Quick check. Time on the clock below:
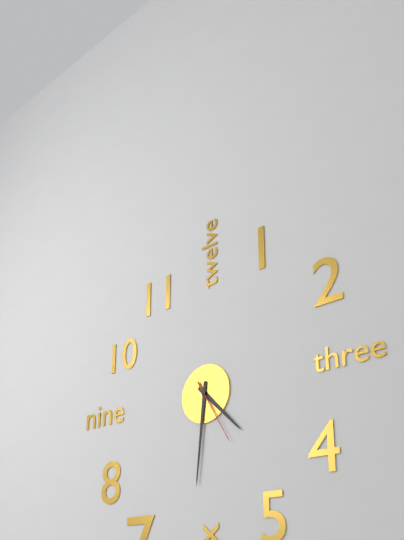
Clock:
4:31:25
